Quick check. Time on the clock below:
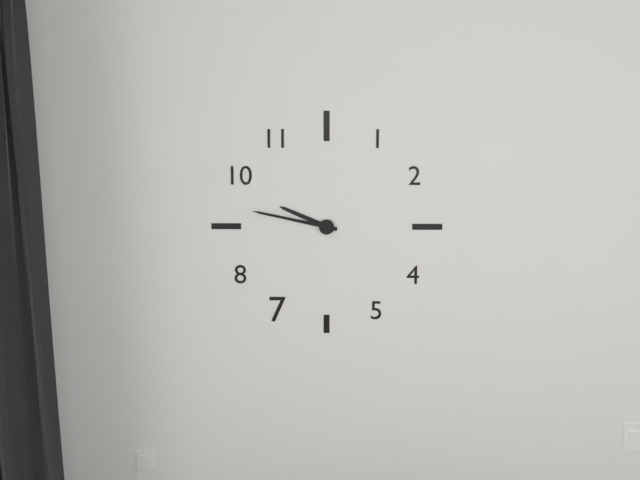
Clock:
9:47
